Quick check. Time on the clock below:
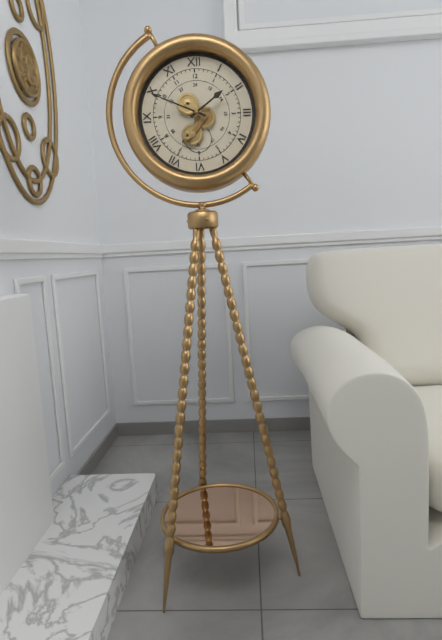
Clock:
1:49
